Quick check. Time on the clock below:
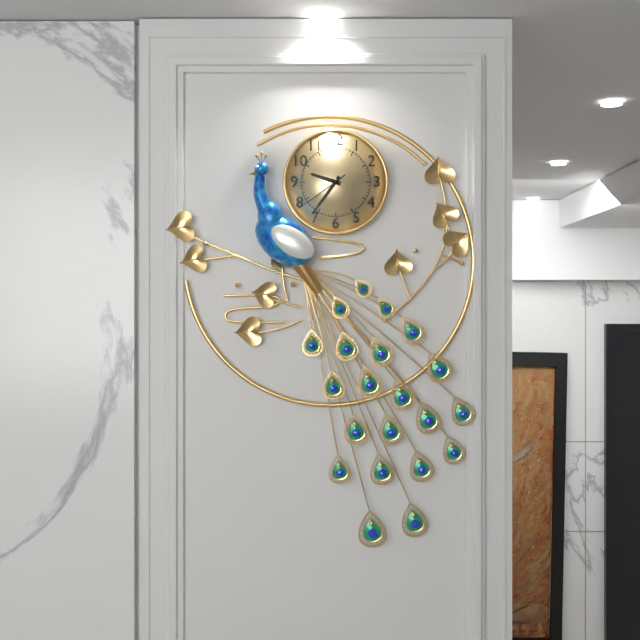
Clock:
9:36
